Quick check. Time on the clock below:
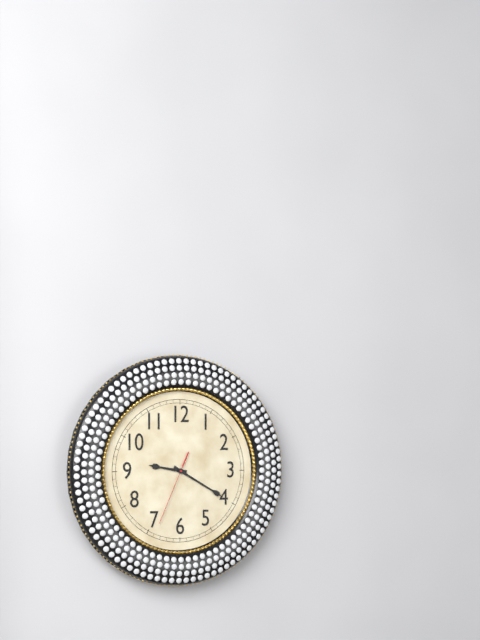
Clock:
9:20:34
